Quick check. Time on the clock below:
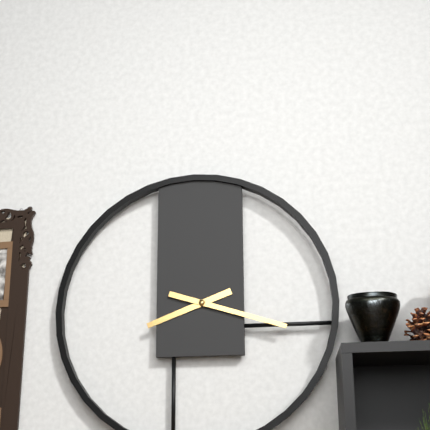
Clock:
8:18
